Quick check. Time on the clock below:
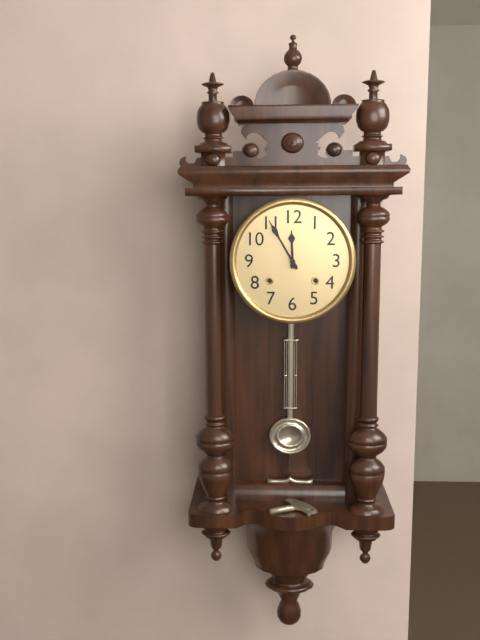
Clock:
11:55
